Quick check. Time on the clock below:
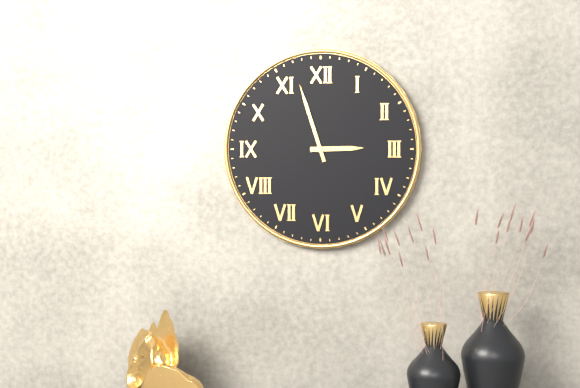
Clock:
2:57
